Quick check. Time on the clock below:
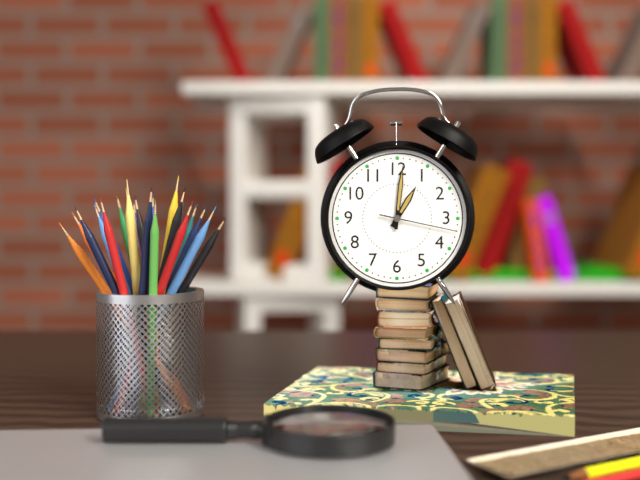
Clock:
1:01:17
